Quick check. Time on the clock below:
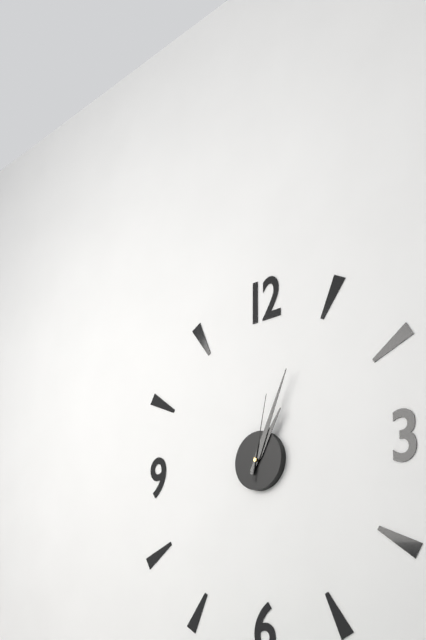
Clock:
1:04:02
